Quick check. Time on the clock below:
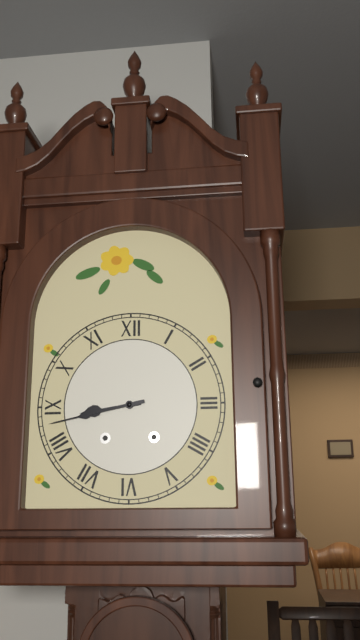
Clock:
8:43
